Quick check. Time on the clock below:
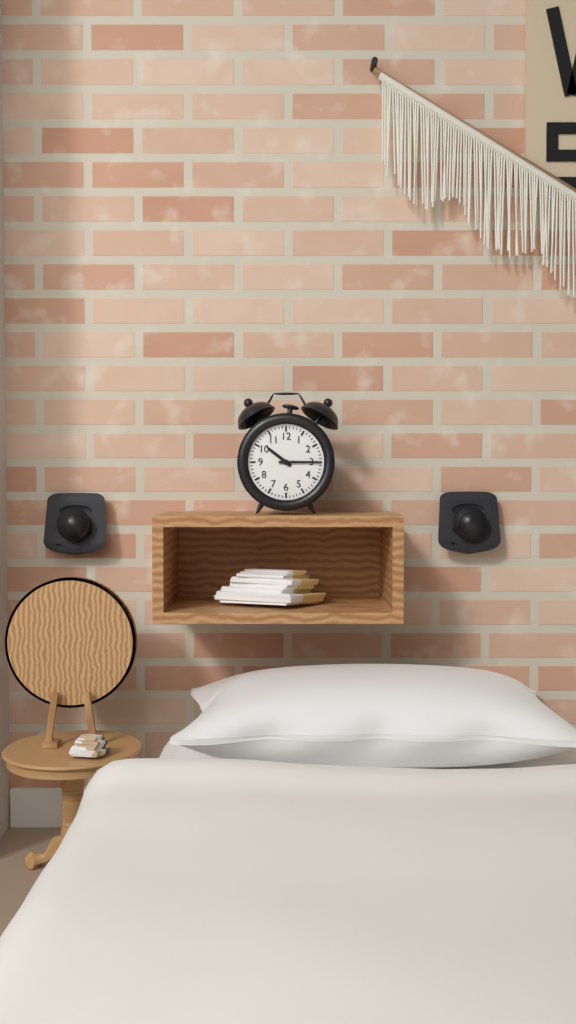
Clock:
10:15
